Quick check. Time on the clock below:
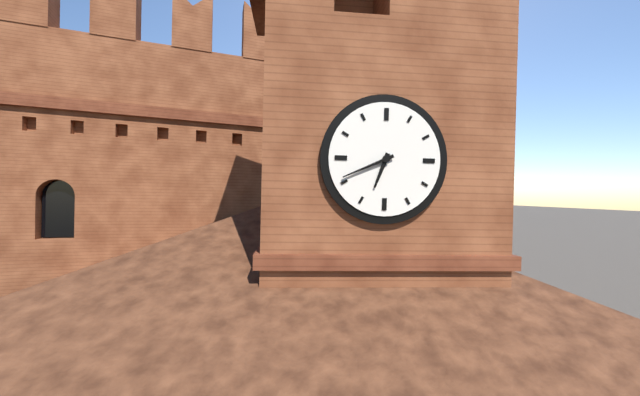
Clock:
6:41
